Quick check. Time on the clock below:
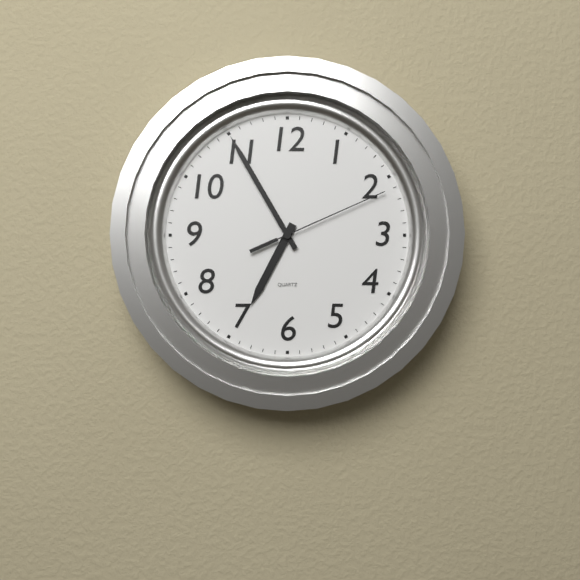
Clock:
6:55:11
